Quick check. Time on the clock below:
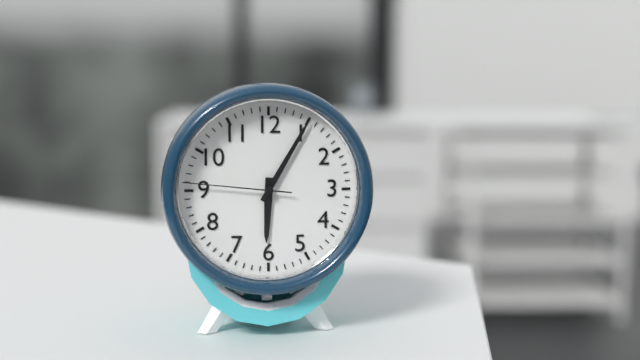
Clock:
6:05:46
